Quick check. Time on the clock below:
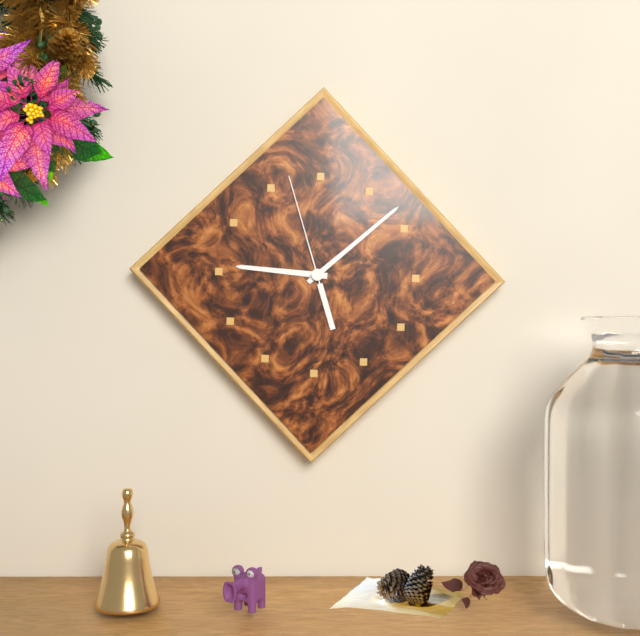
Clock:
9:08:57
